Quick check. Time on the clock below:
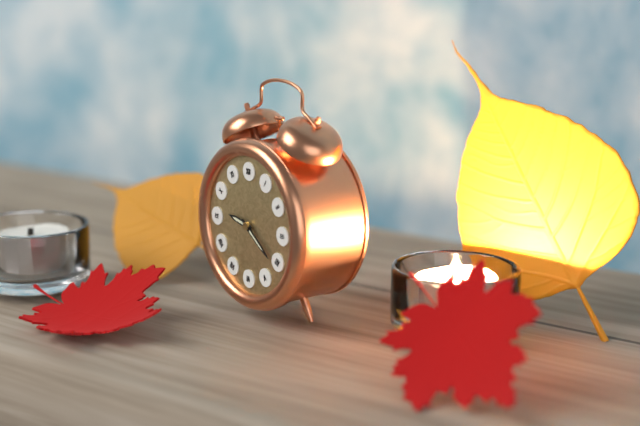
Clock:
9:21
